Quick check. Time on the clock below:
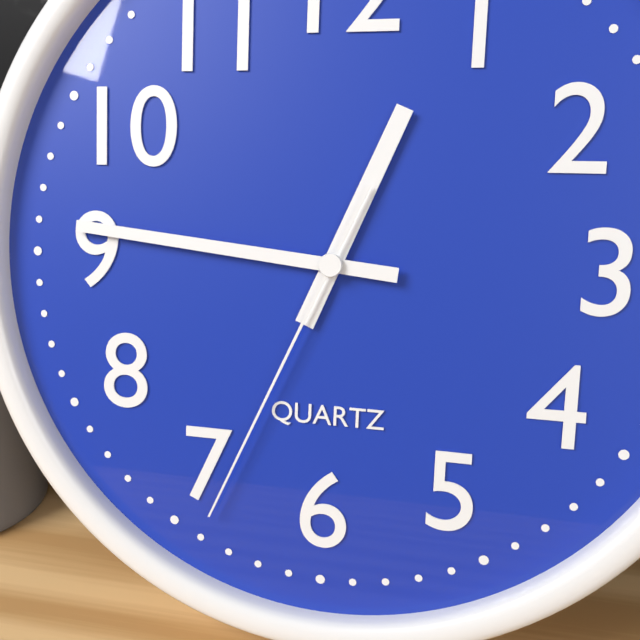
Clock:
12:46:34
